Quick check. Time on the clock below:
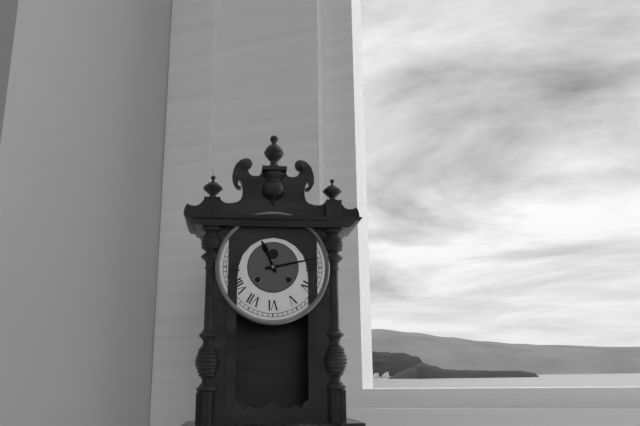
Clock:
11:13
